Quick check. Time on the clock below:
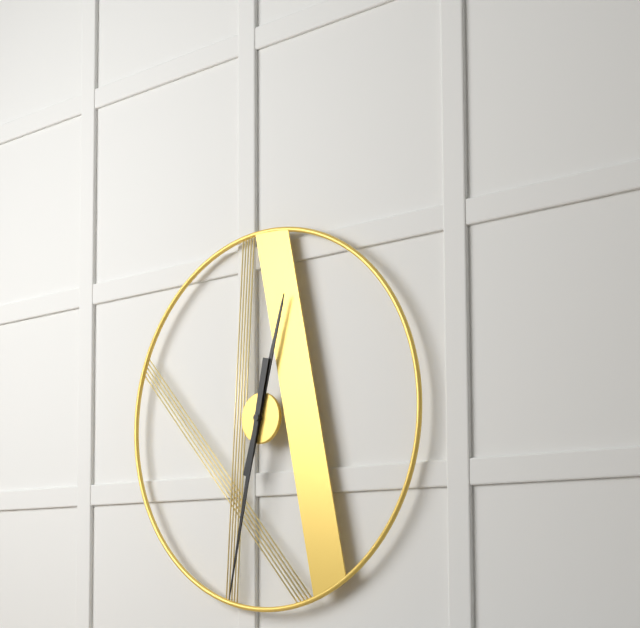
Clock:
12:32
